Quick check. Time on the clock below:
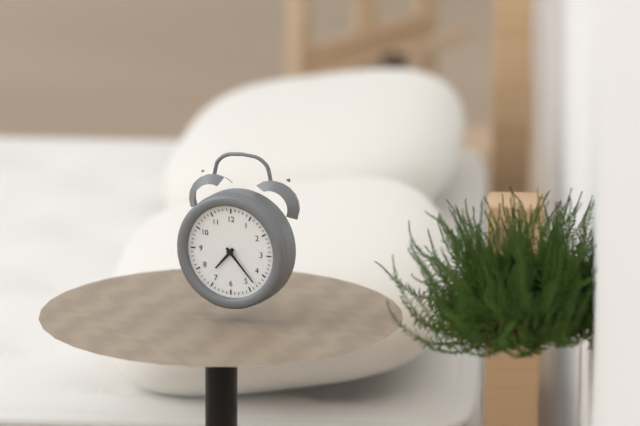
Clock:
7:23
